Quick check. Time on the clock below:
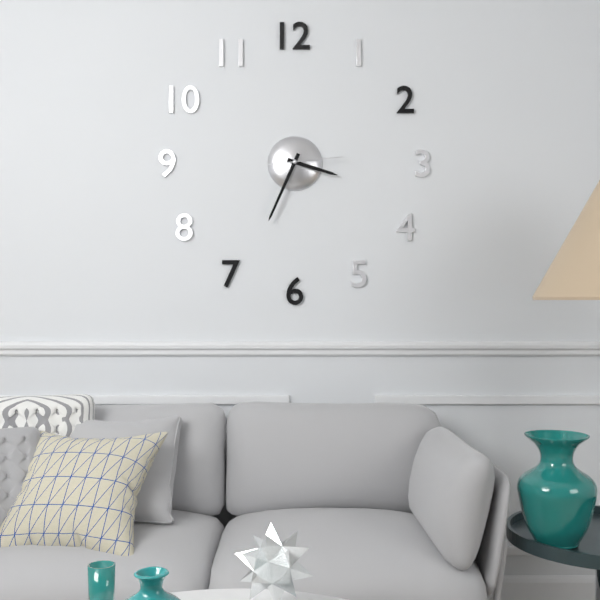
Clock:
3:34:14
